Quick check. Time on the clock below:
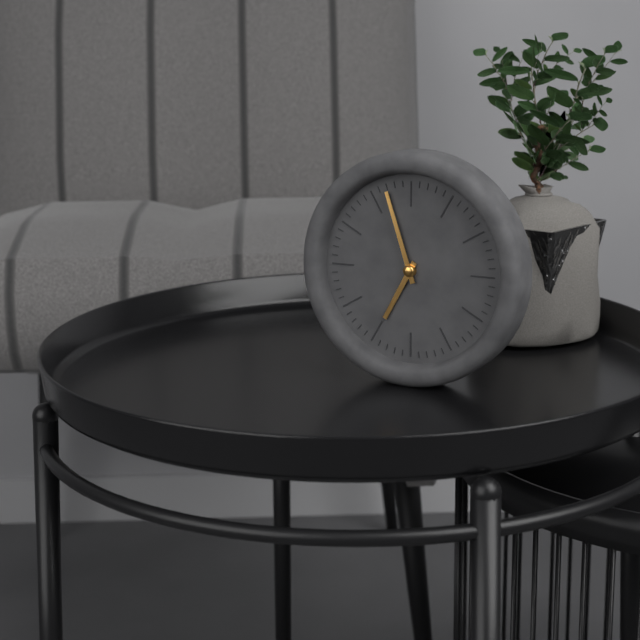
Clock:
6:57
